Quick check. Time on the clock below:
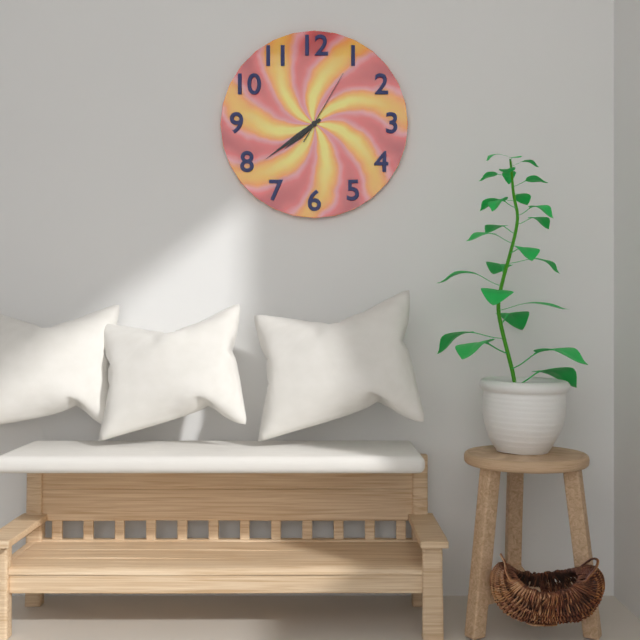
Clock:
7:39:05
